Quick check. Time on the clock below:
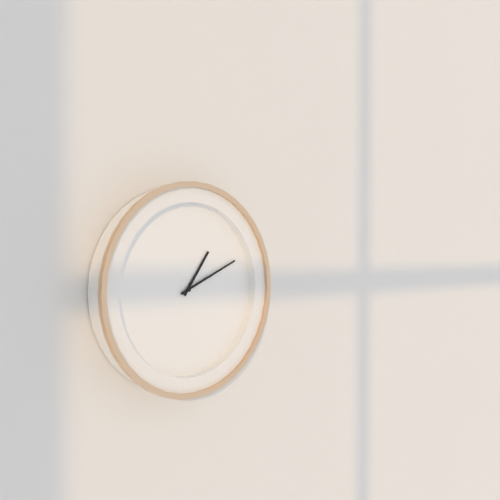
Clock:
1:11
